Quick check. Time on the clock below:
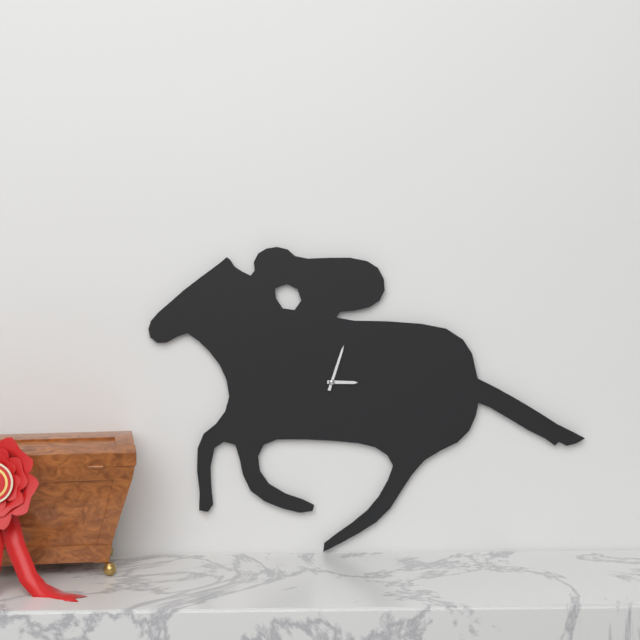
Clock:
3:03
